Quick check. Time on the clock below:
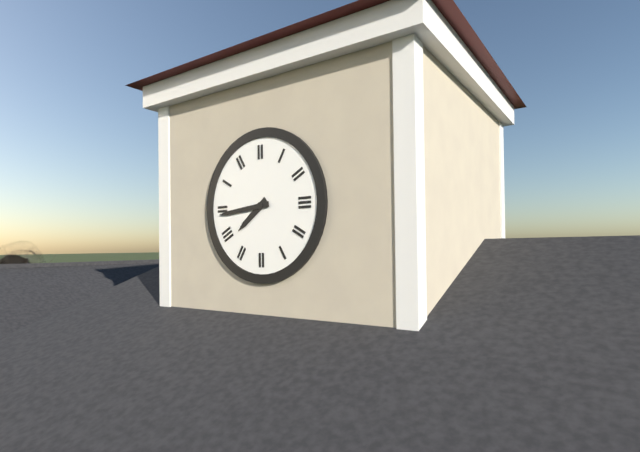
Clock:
7:44
